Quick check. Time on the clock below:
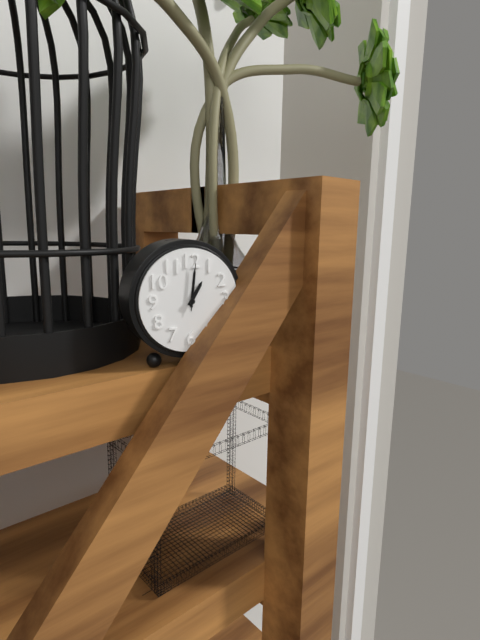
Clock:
1:01
